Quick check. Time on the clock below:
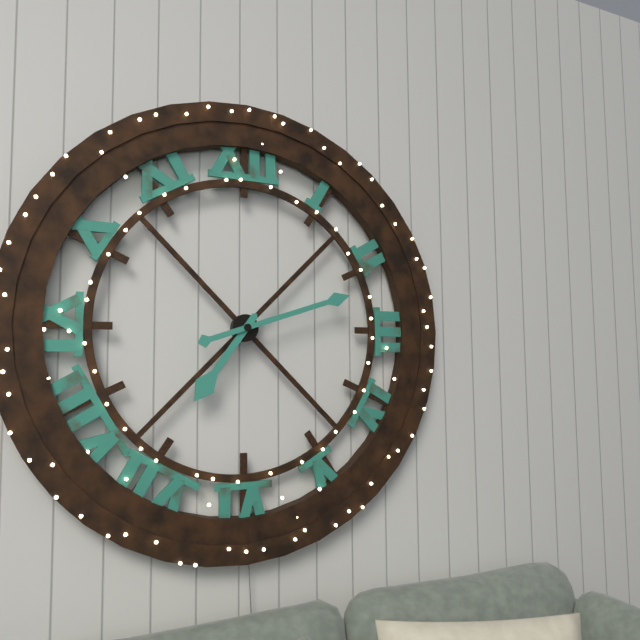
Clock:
7:12
